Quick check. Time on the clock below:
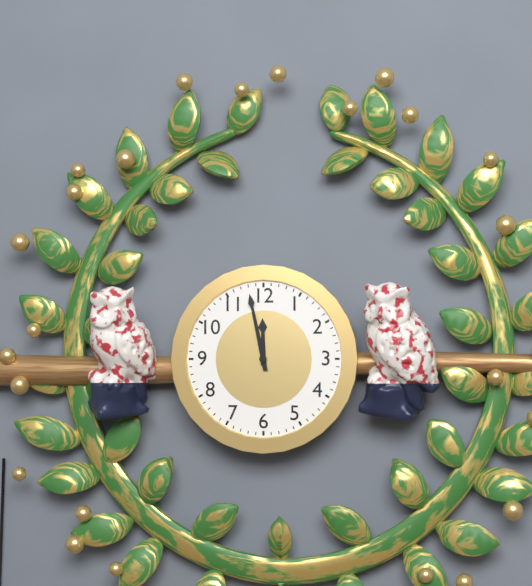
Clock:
11:58
